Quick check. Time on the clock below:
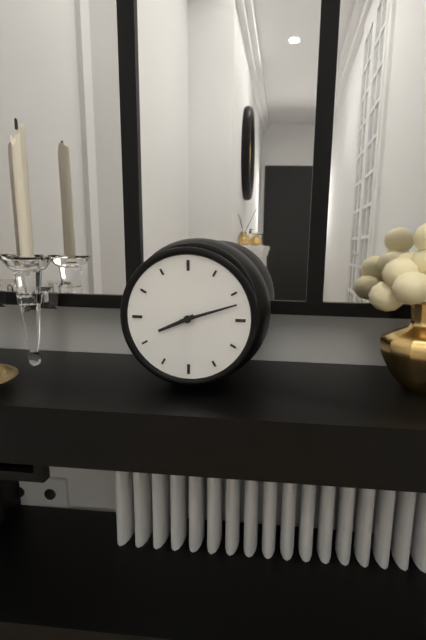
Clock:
8:12
